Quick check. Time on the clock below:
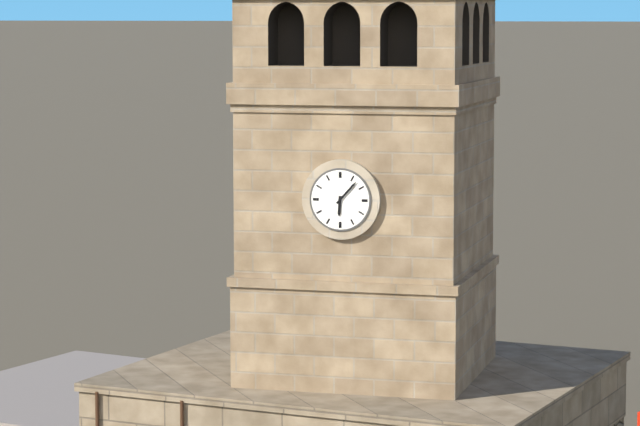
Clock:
6:07
